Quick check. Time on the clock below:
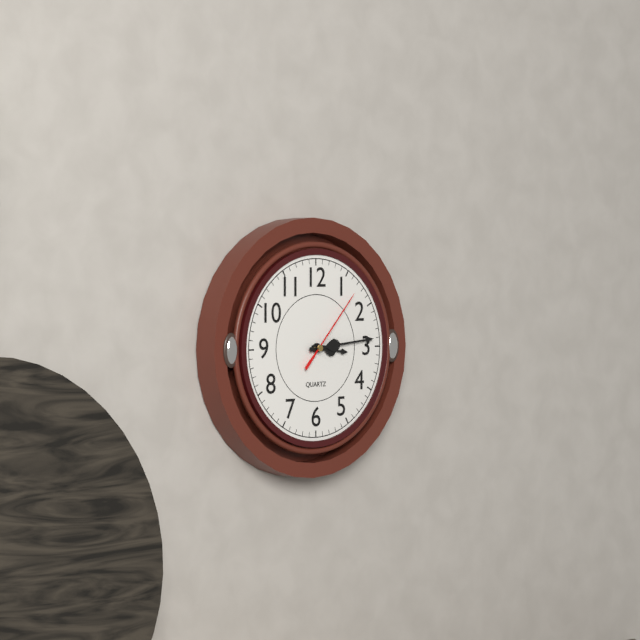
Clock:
3:14:07
